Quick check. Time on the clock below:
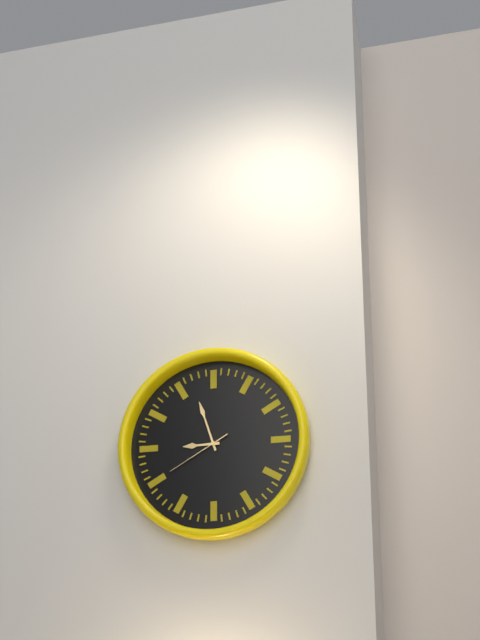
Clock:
8:57:40
